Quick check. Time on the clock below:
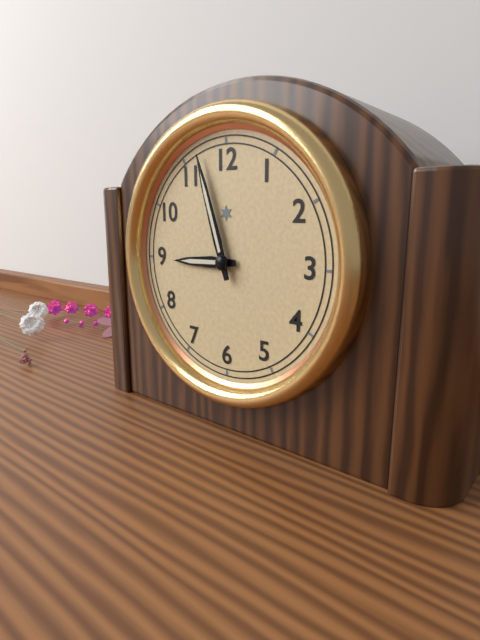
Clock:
8:57
